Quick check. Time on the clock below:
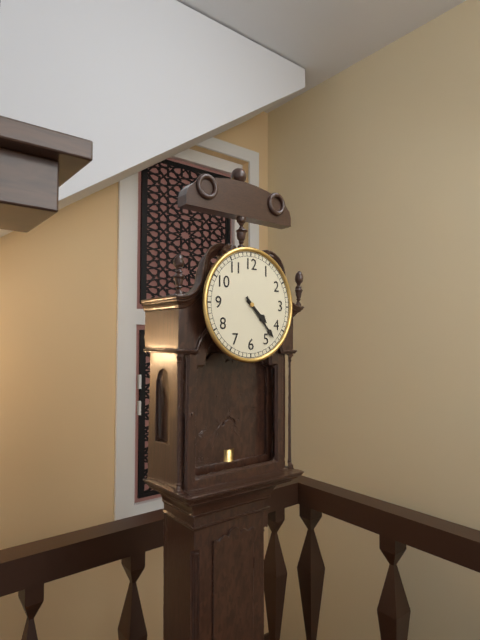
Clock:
4:23
